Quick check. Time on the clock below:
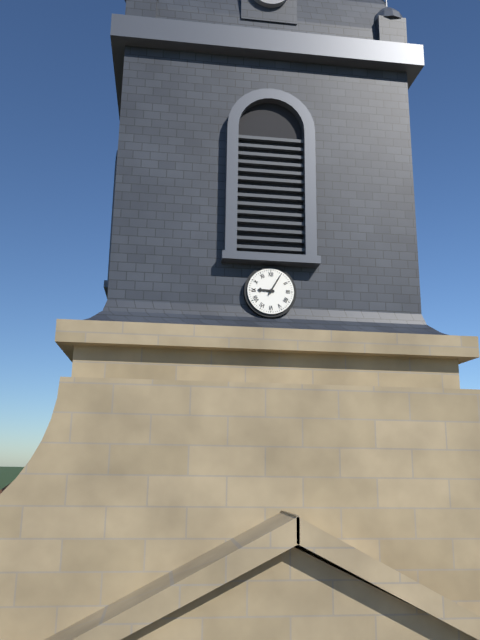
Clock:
9:05
